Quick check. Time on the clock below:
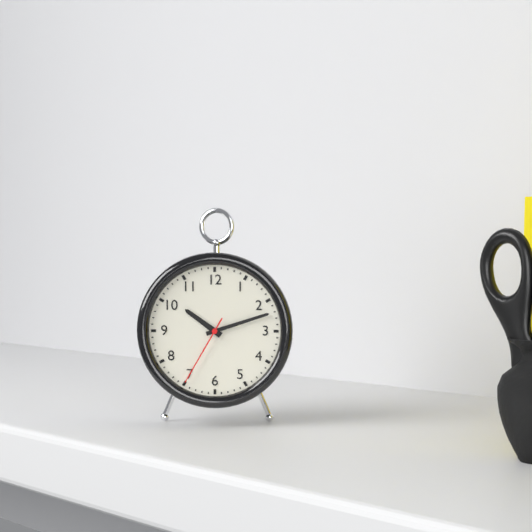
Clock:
10:12:35
